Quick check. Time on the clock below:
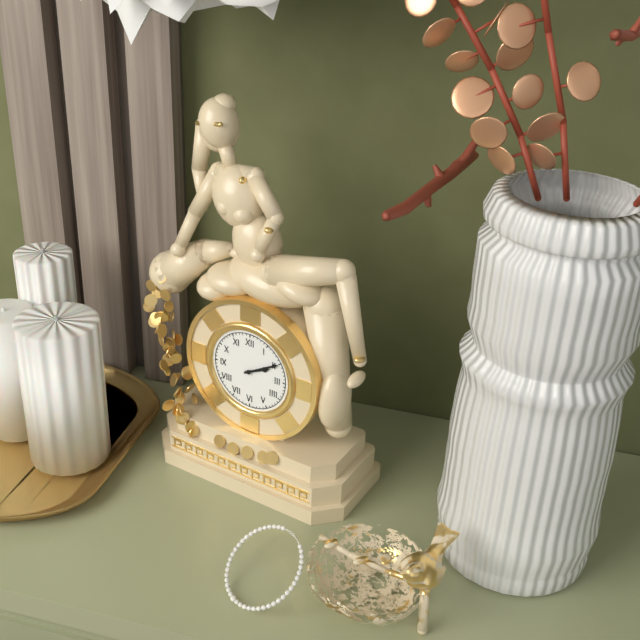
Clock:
2:10
